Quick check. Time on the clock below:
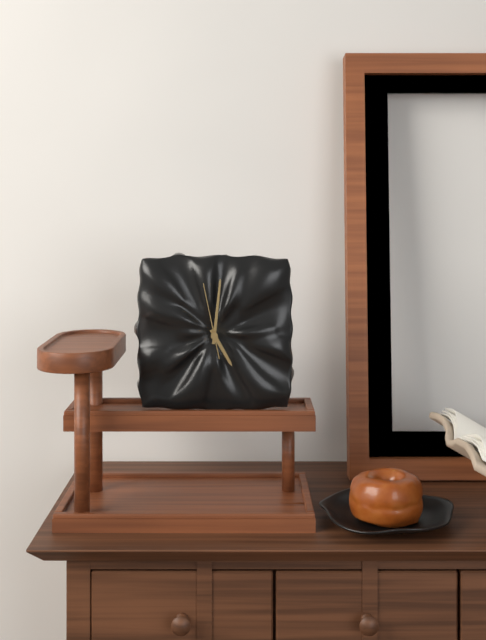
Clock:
5:01:58
